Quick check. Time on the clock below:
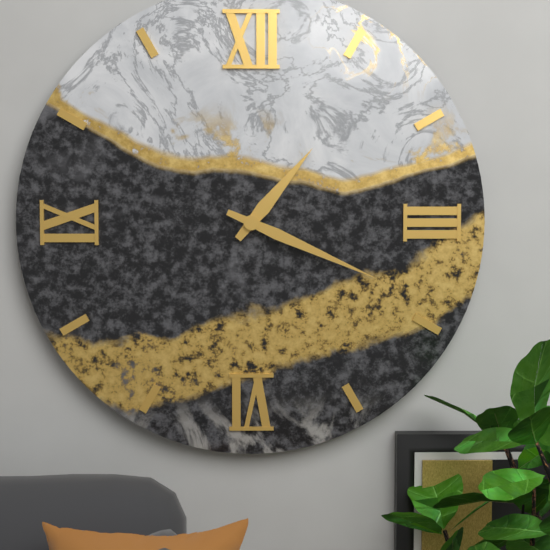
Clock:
1:19
